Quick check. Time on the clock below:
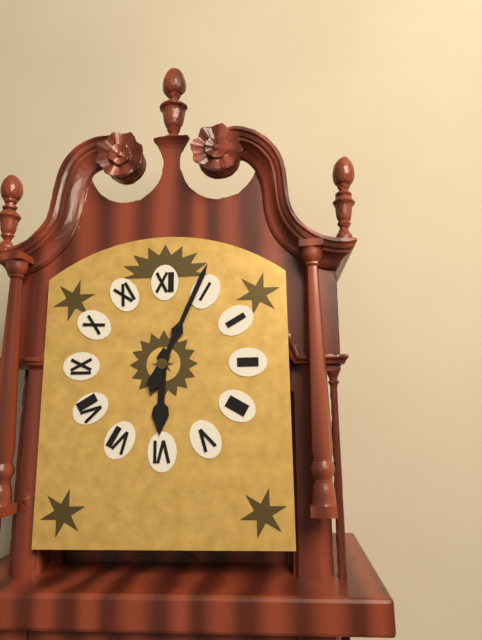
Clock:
6:04
